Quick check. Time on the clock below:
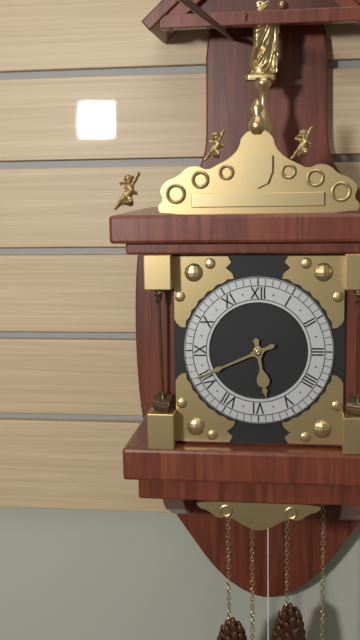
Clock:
5:41
